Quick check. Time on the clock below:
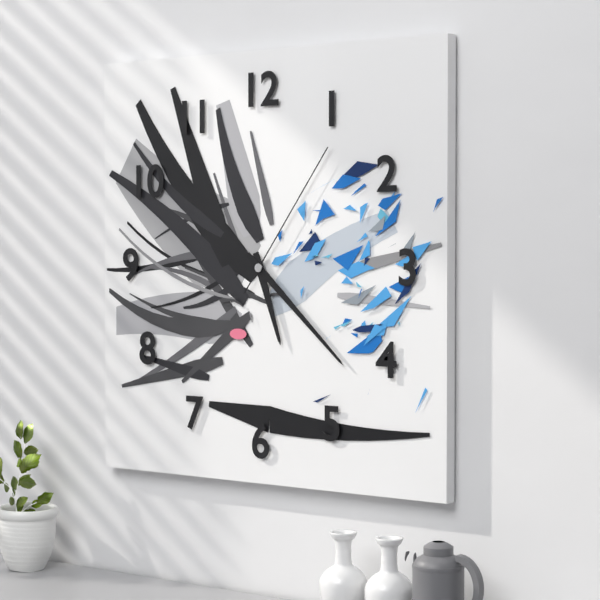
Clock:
5:22:06
